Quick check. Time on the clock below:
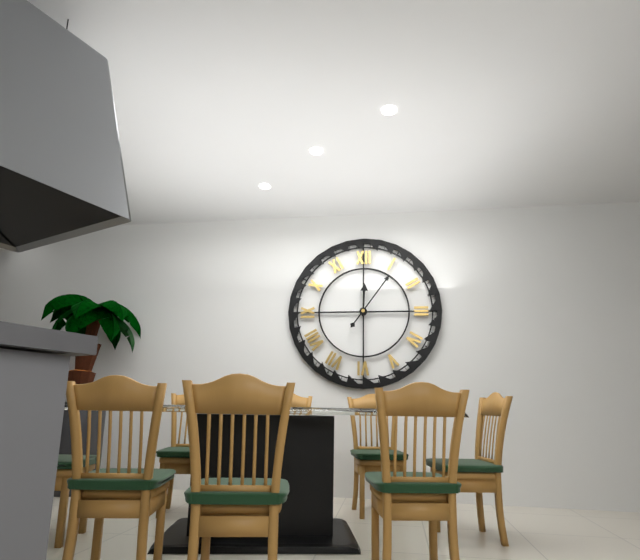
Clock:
12:06
